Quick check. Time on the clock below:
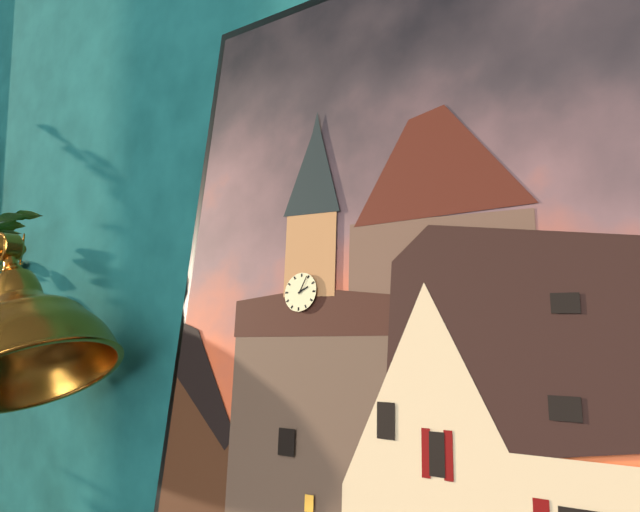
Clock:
2:04
